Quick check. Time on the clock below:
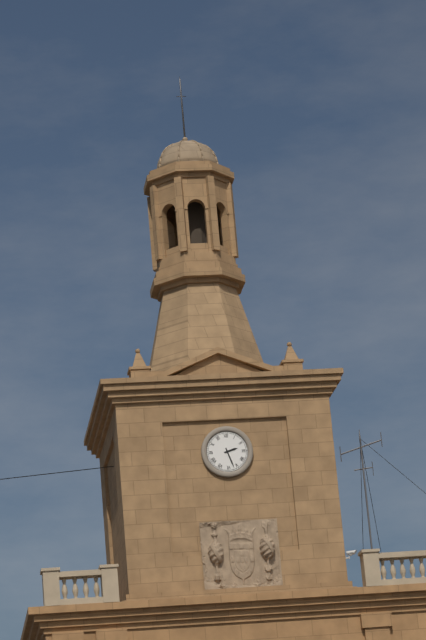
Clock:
2:27
